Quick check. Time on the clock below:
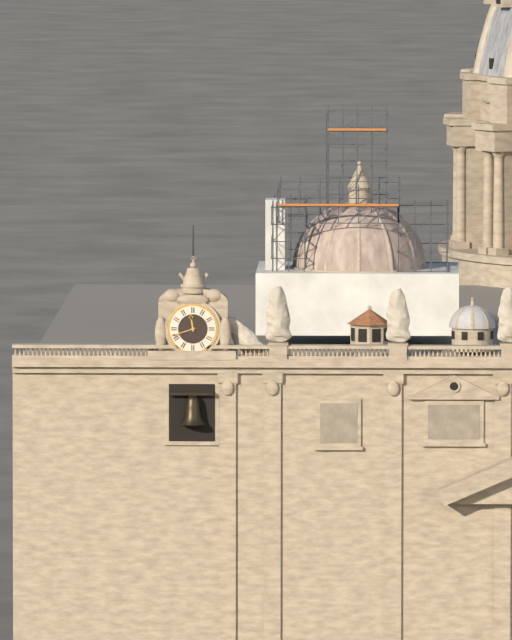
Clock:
11:42
